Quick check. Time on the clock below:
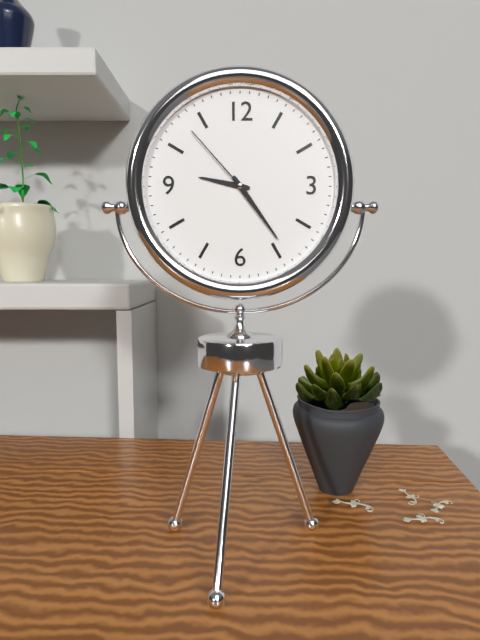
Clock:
9:24:53
